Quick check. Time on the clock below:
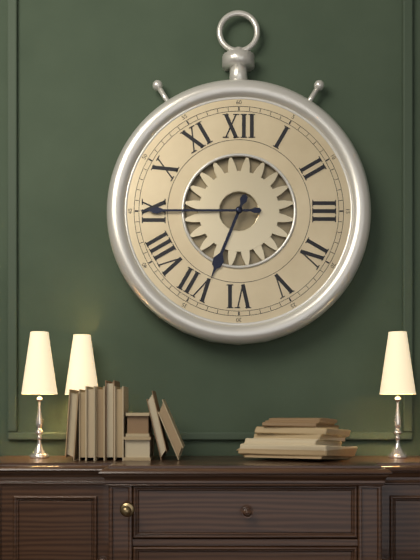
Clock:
6:45
